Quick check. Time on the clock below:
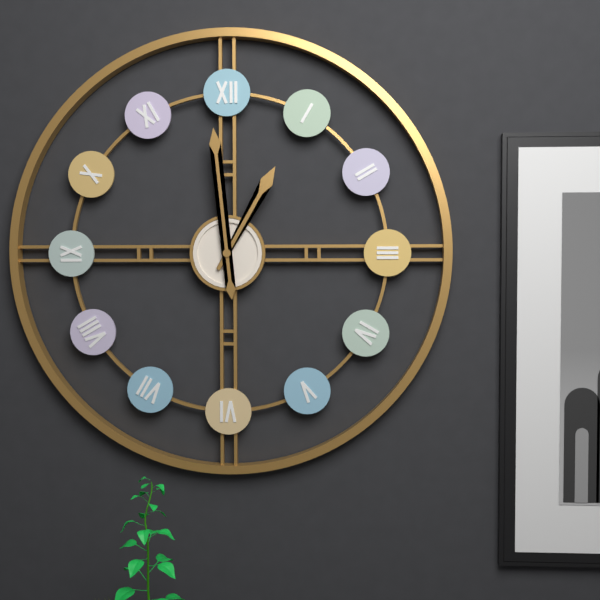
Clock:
12:59
